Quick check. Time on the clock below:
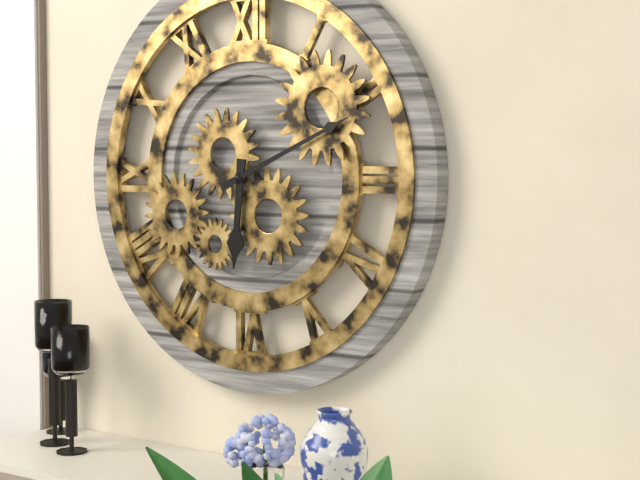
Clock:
6:11
